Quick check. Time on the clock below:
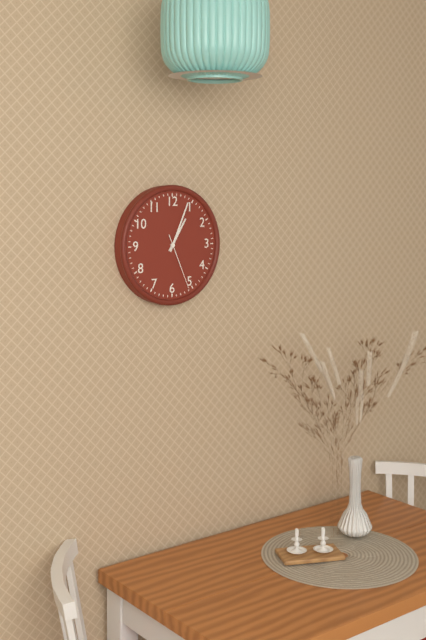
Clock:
1:04:26
